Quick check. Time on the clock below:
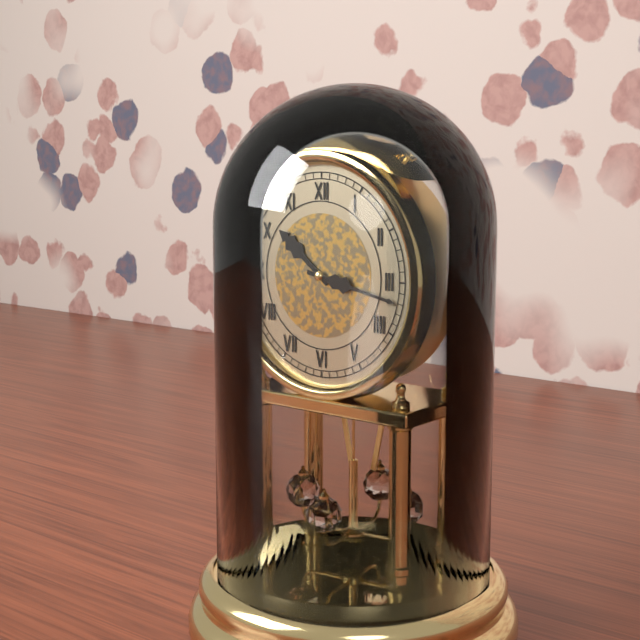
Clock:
10:17
